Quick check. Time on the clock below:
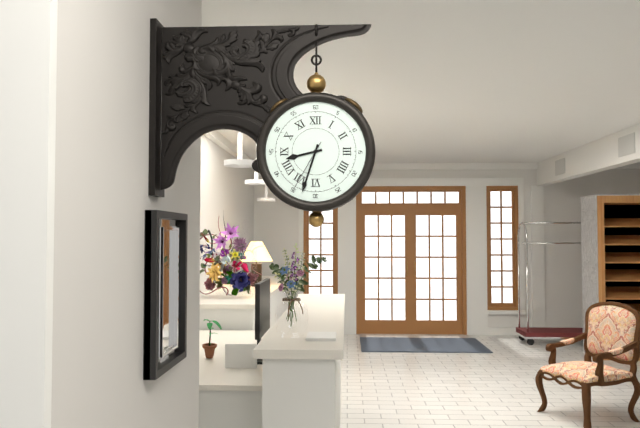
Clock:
8:33:35
